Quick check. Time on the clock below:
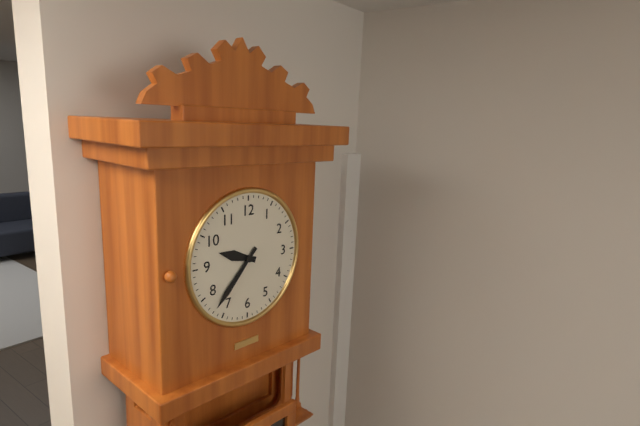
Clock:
9:37
